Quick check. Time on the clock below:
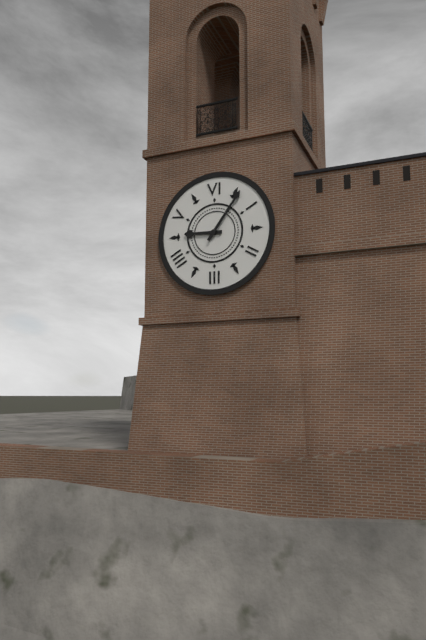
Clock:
9:06
